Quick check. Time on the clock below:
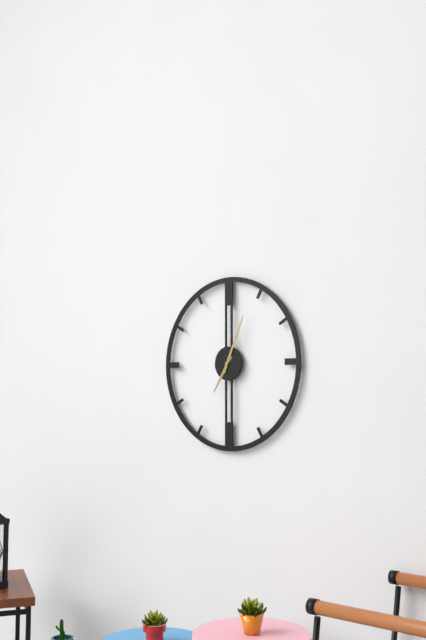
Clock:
7:04
